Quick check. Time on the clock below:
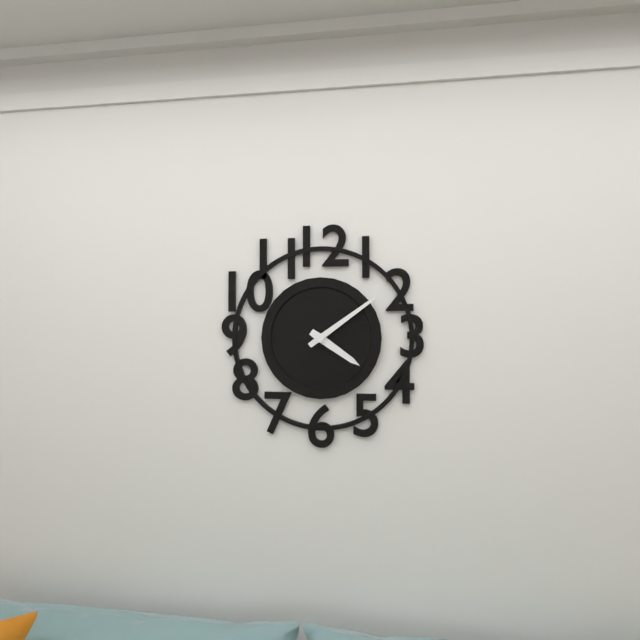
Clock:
4:09
